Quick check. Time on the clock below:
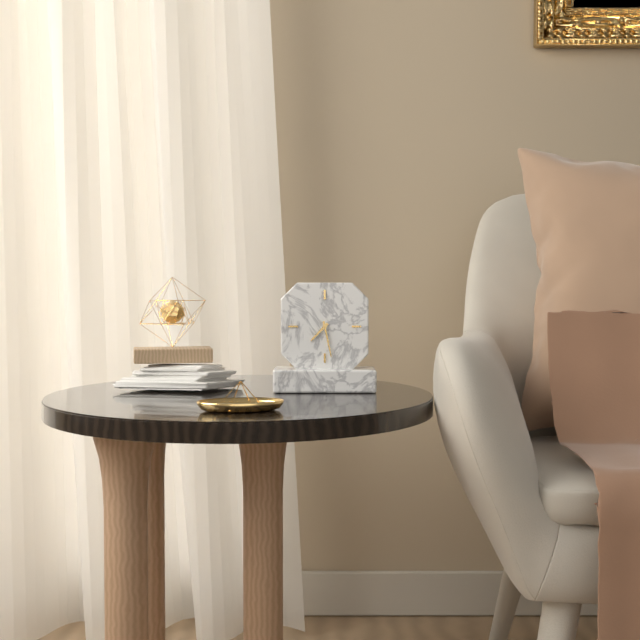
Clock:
7:28
